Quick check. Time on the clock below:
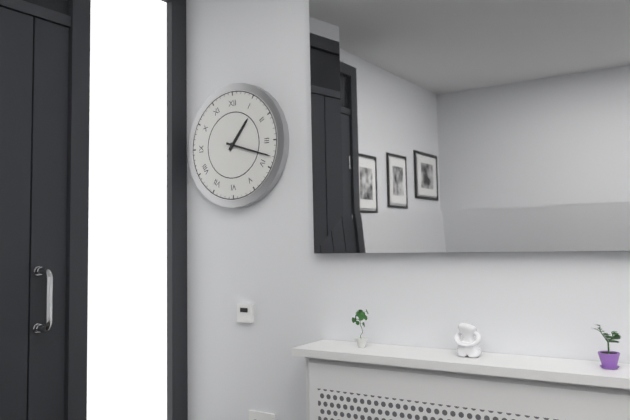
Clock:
1:18
